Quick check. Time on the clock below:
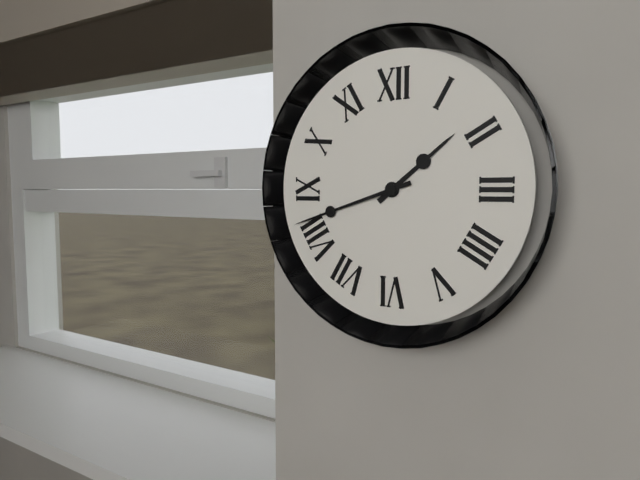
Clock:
1:42
